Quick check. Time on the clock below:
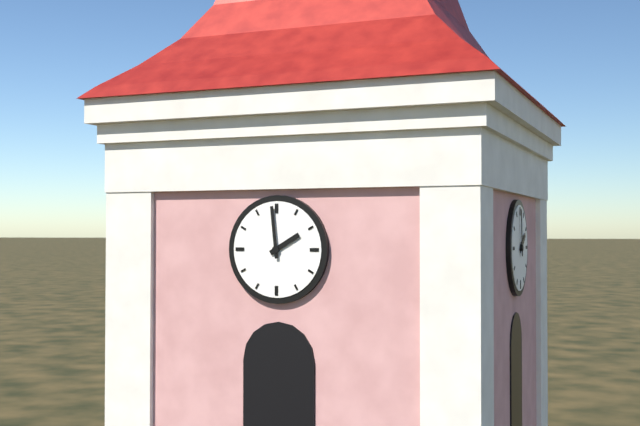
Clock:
1:59
